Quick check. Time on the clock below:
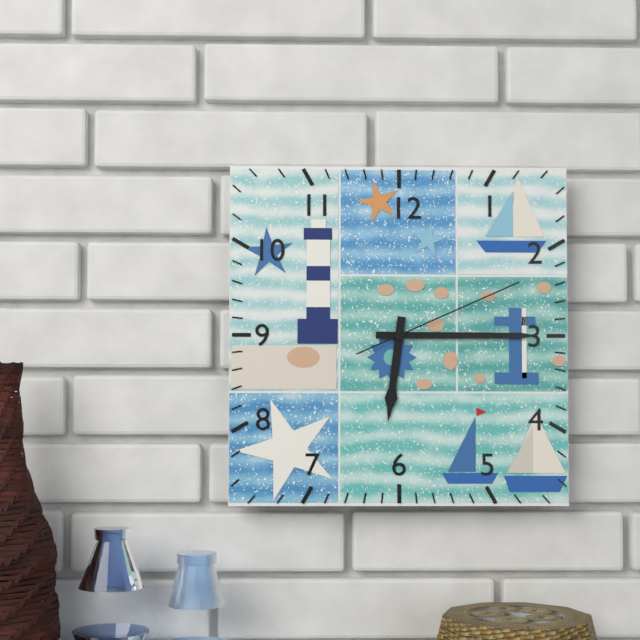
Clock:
6:15:11
